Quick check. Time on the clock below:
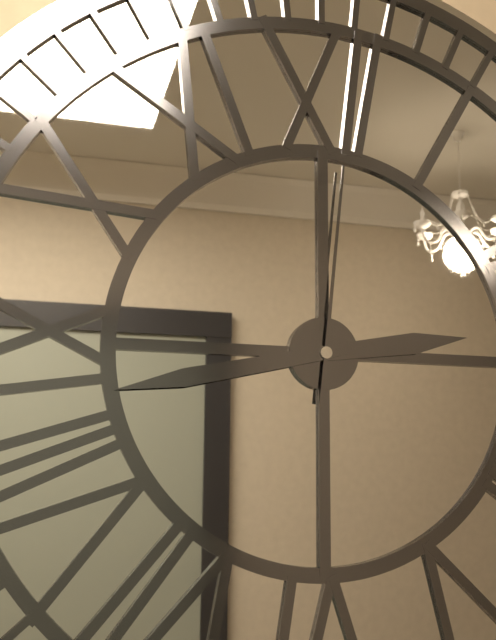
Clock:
2:43:01
